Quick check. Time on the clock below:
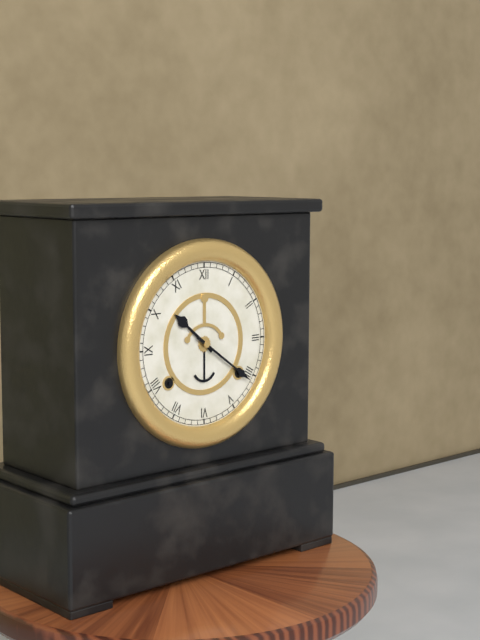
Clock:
10:21
